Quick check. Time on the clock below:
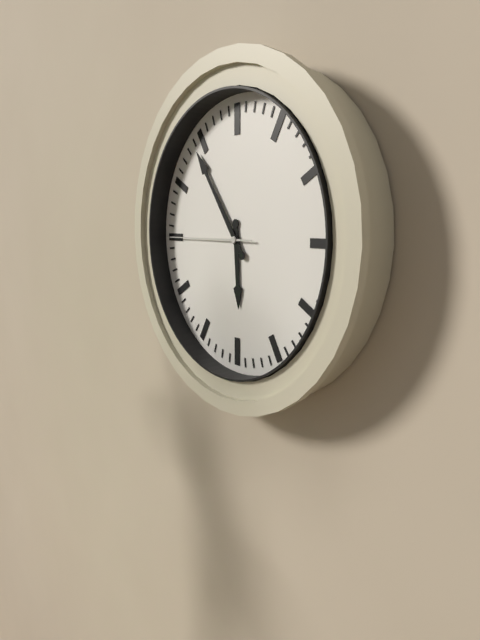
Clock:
5:54:45
